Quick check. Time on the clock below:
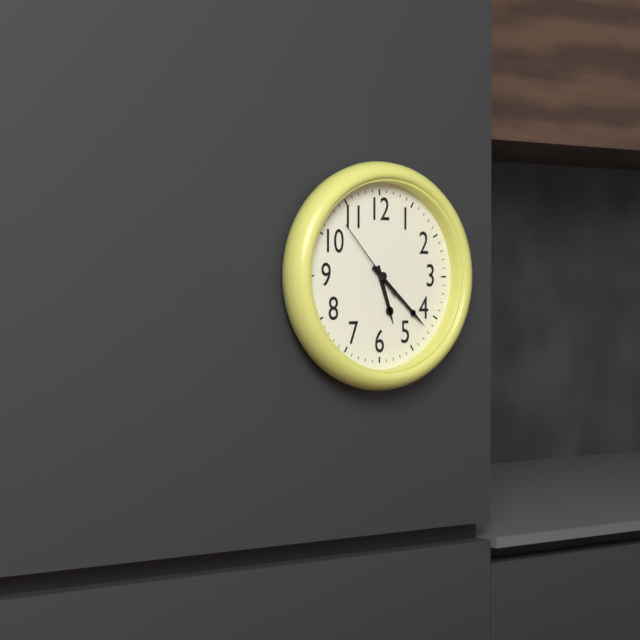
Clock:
5:22:53
